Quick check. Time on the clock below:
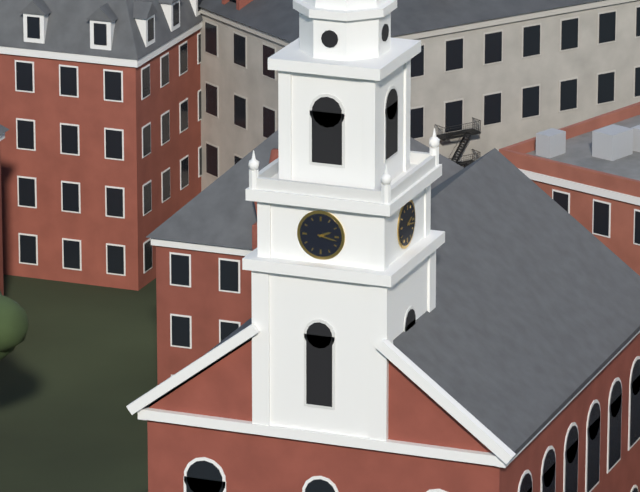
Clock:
2:17
